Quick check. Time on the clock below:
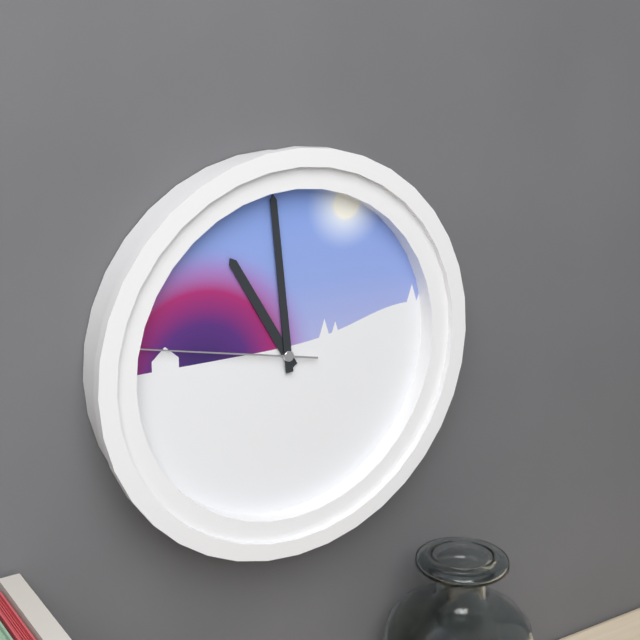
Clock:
10:59:47
